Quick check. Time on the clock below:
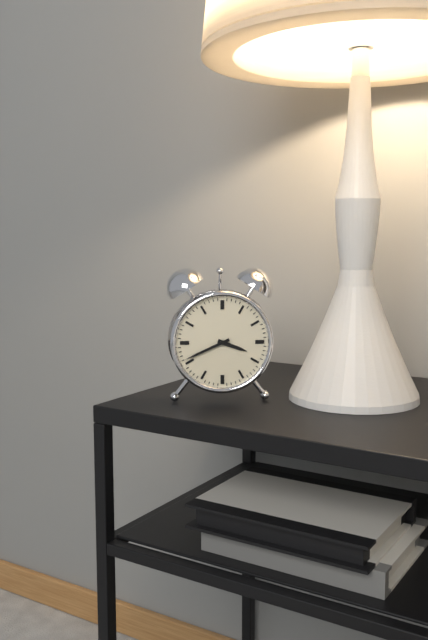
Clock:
3:41
